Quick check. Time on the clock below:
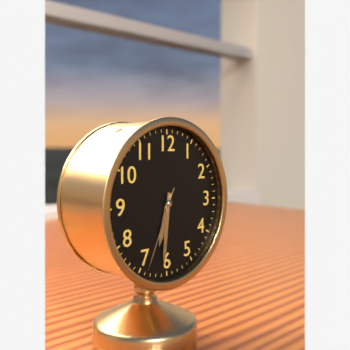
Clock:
6:31:34
